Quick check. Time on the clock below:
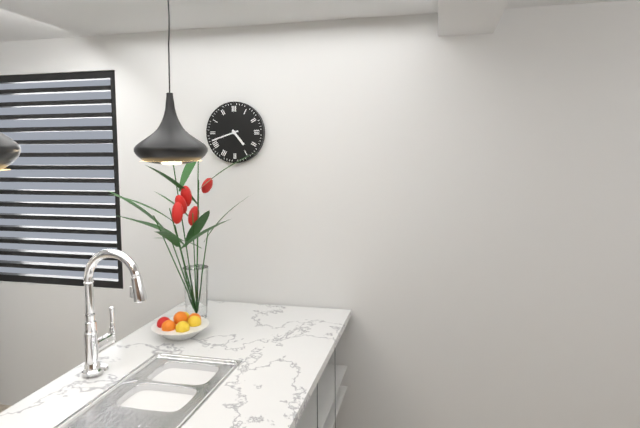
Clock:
4:42
